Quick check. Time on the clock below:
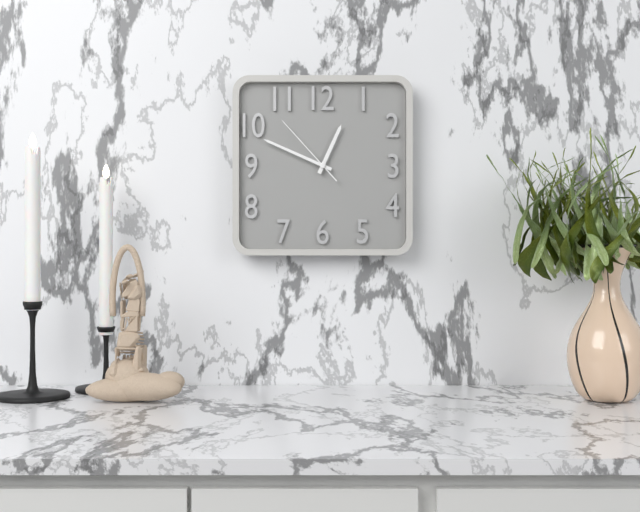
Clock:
12:49:53
